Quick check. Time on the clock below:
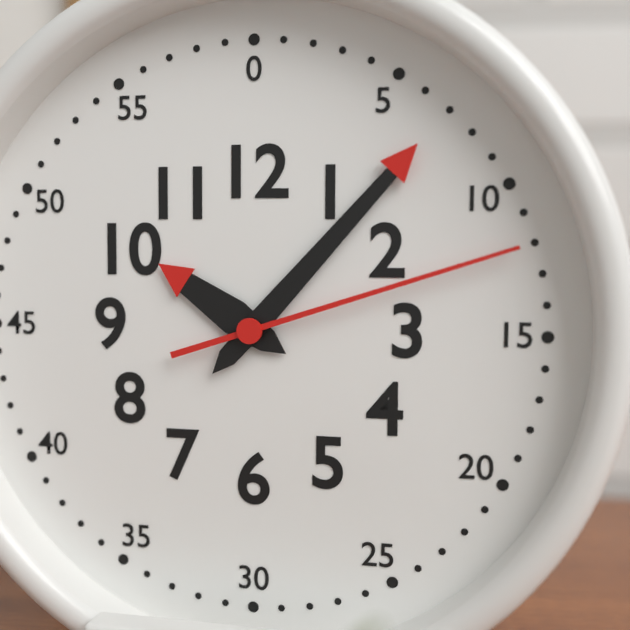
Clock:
10:07:12
